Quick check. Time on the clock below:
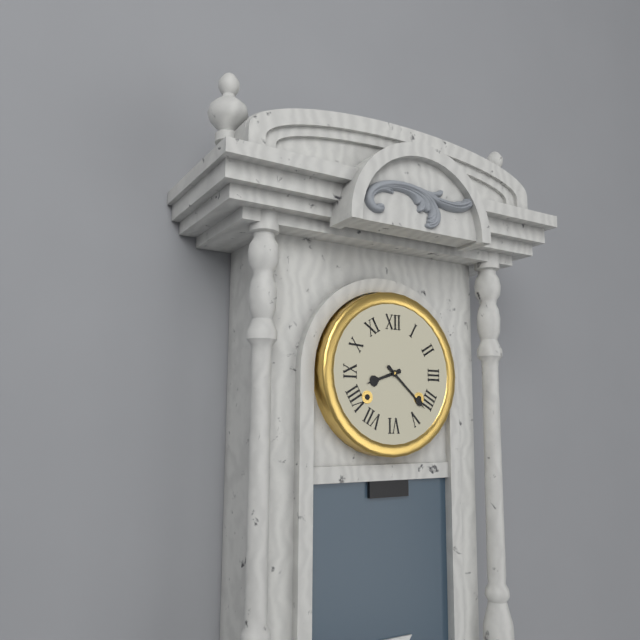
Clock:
8:22
